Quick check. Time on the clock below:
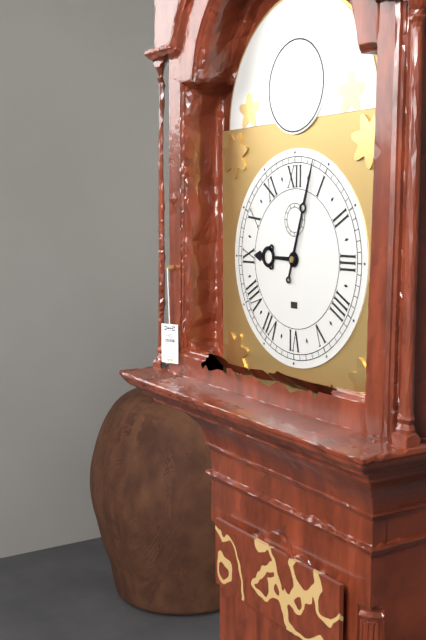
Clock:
9:03
